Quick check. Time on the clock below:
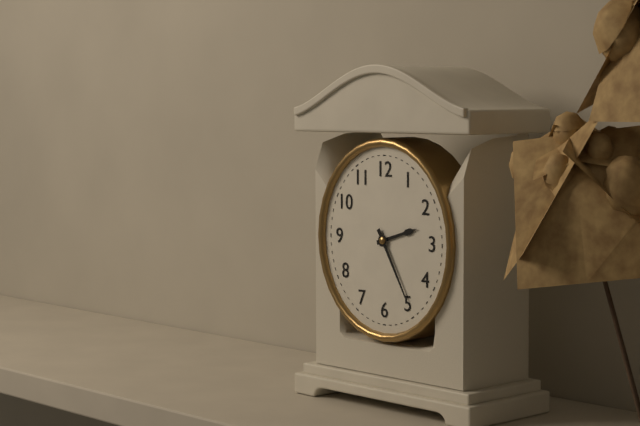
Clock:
2:25
